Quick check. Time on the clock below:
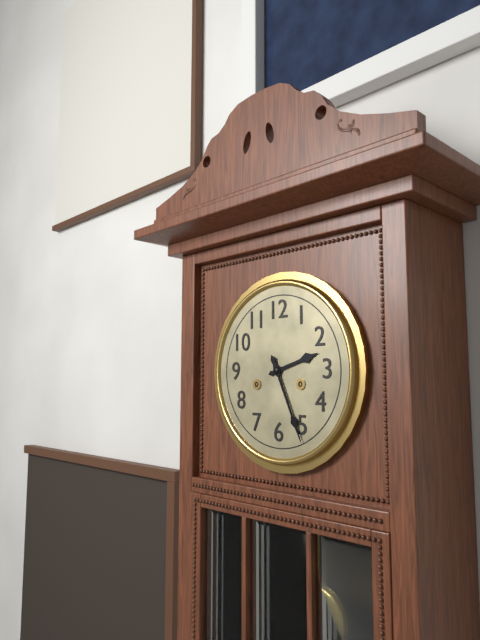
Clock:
2:26
